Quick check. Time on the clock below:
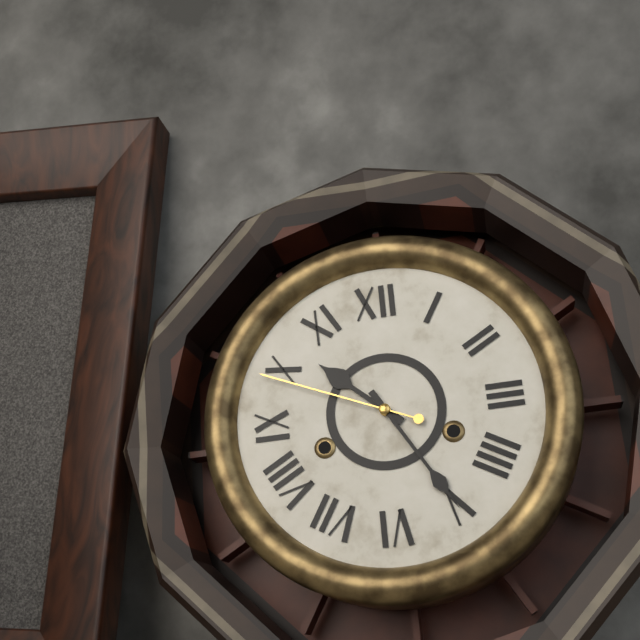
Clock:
10:25:49
